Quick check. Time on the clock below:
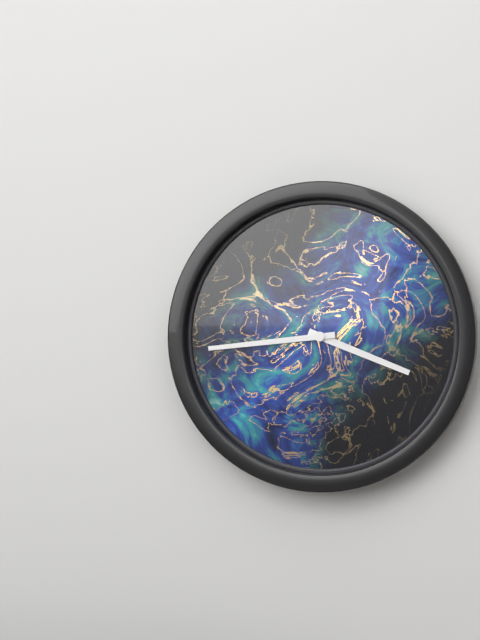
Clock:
3:44
